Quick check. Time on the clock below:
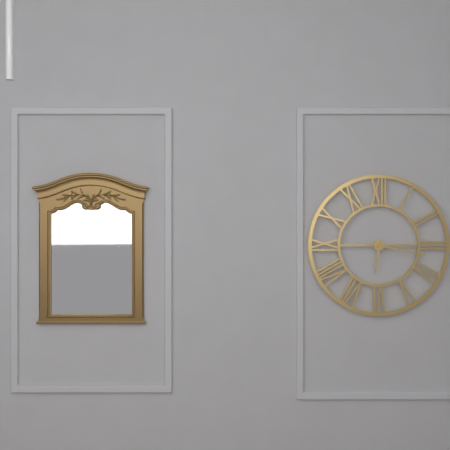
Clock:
6:17
